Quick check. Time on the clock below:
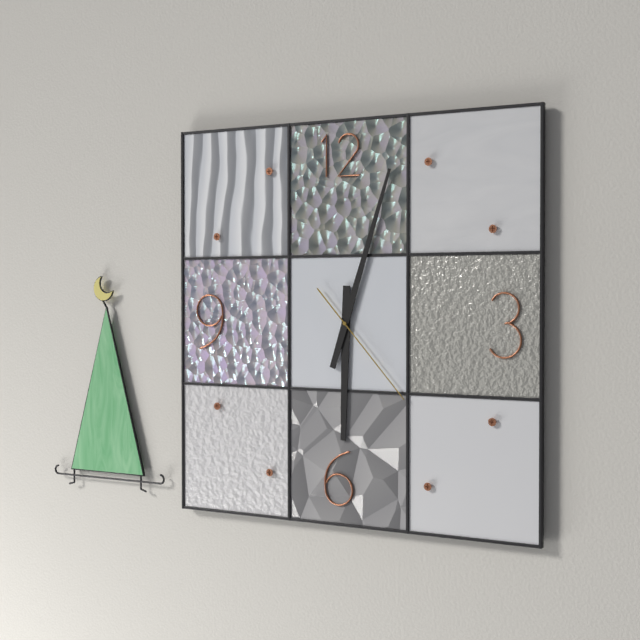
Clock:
6:03:23
